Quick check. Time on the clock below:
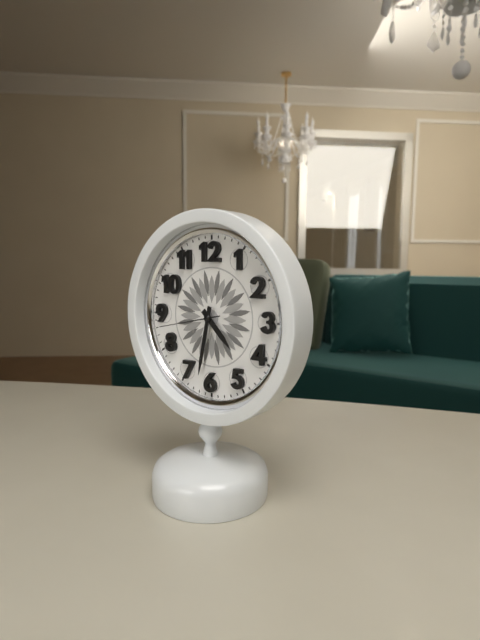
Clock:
4:32:43
